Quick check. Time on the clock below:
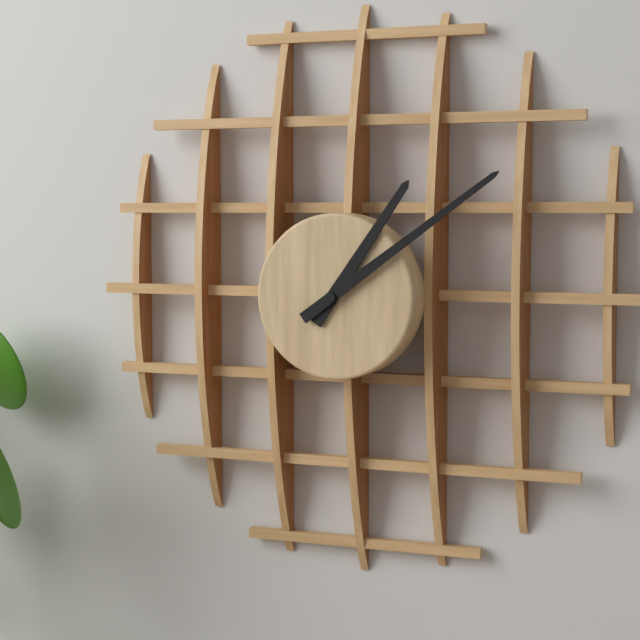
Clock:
1:09
